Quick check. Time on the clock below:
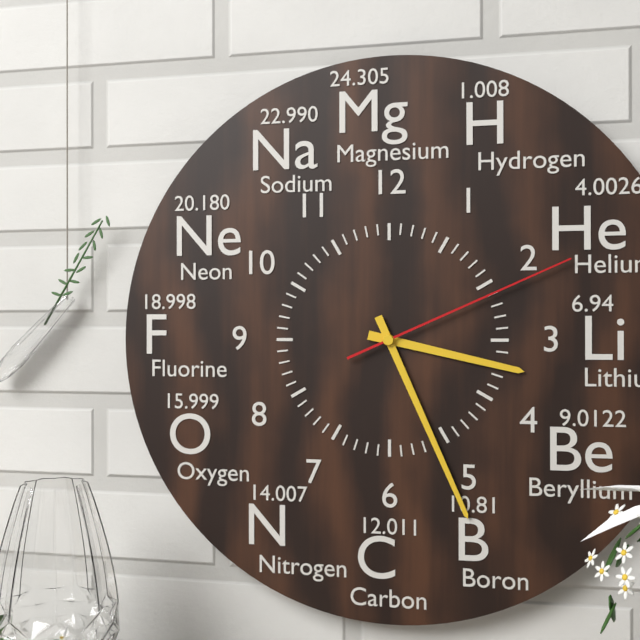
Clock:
3:26:11
